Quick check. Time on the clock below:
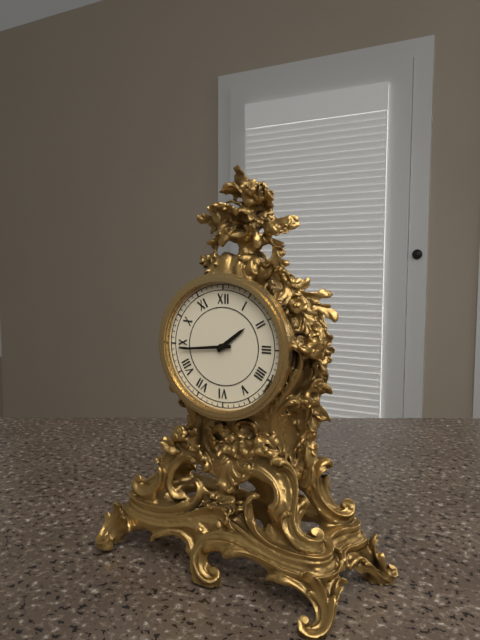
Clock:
1:44
